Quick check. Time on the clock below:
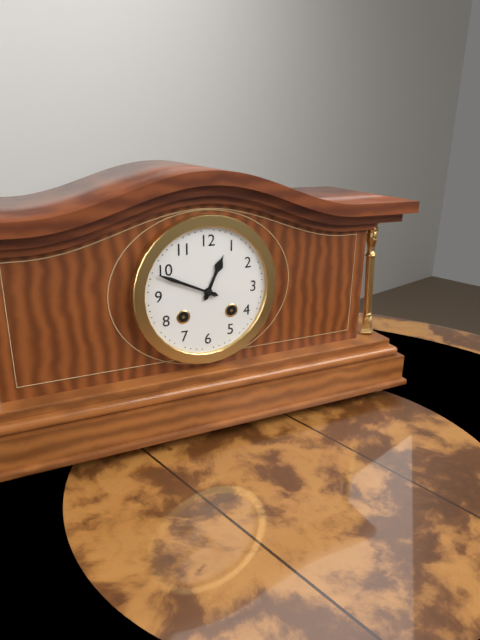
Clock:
12:49
